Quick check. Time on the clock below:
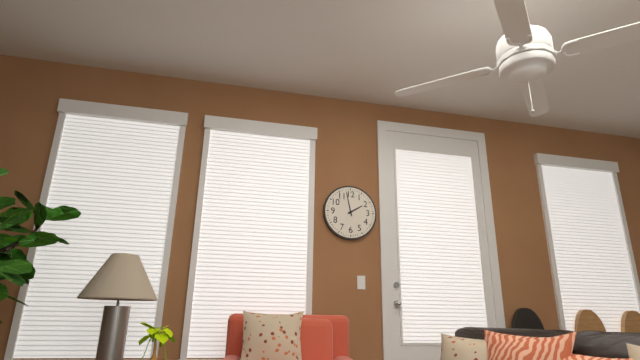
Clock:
1:58
